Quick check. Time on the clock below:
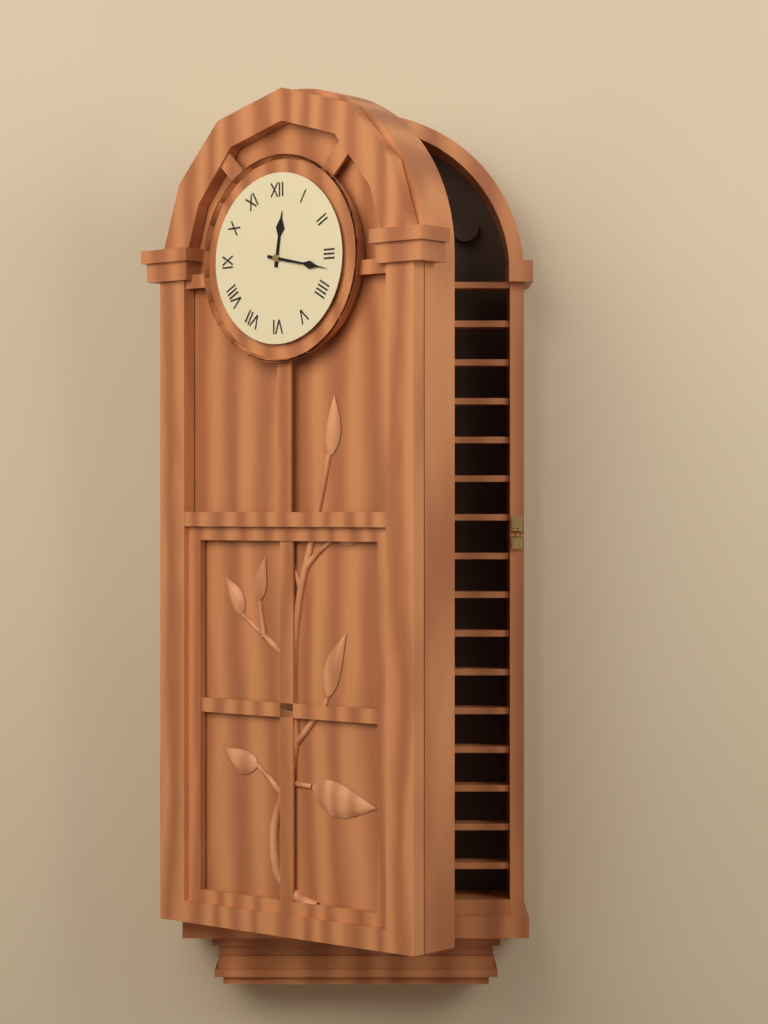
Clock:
12:17
